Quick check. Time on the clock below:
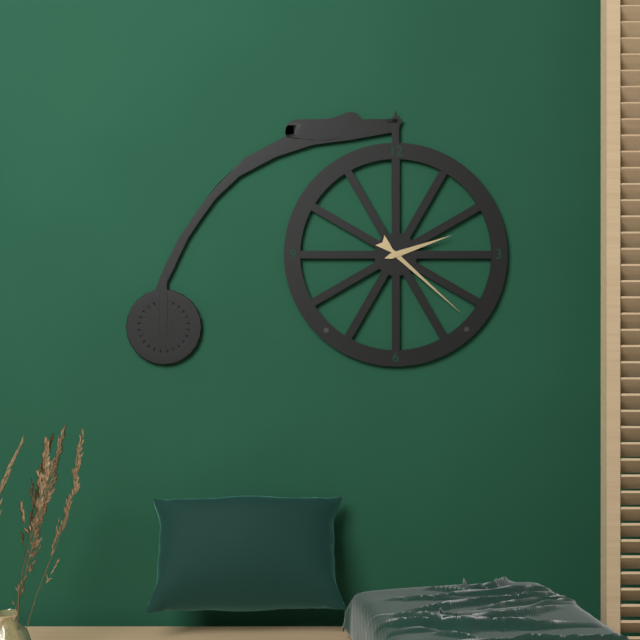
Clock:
2:22
